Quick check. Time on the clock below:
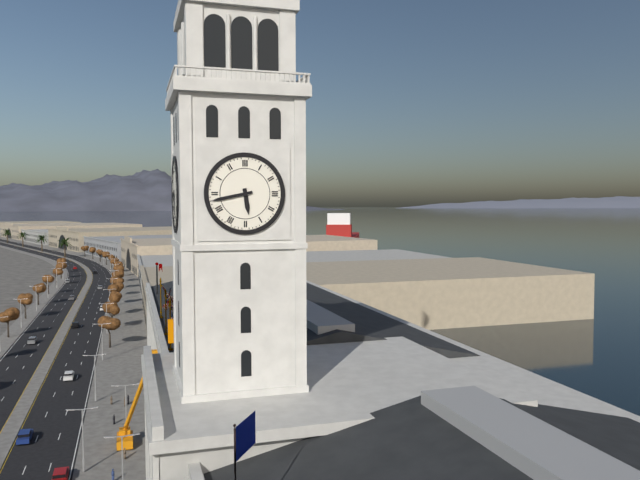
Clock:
5:43
